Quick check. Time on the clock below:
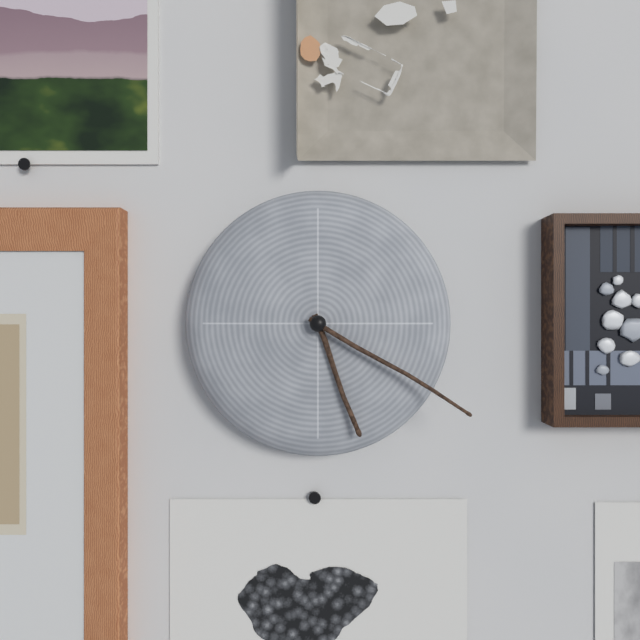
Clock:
5:20
